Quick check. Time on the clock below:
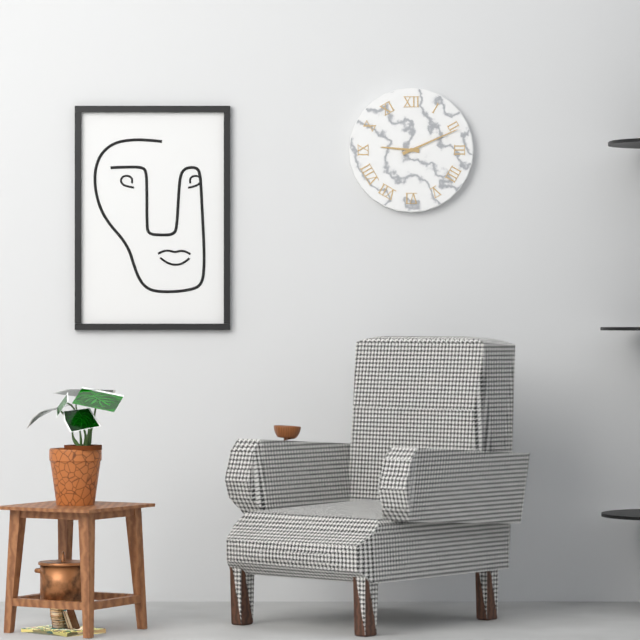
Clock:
9:11
